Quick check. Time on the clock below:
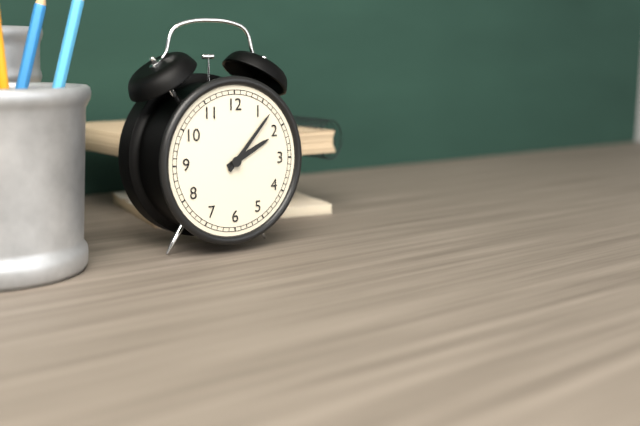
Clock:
2:07
